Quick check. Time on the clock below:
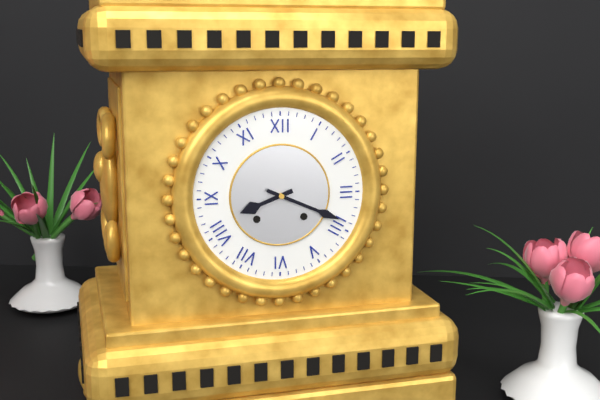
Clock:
8:19
